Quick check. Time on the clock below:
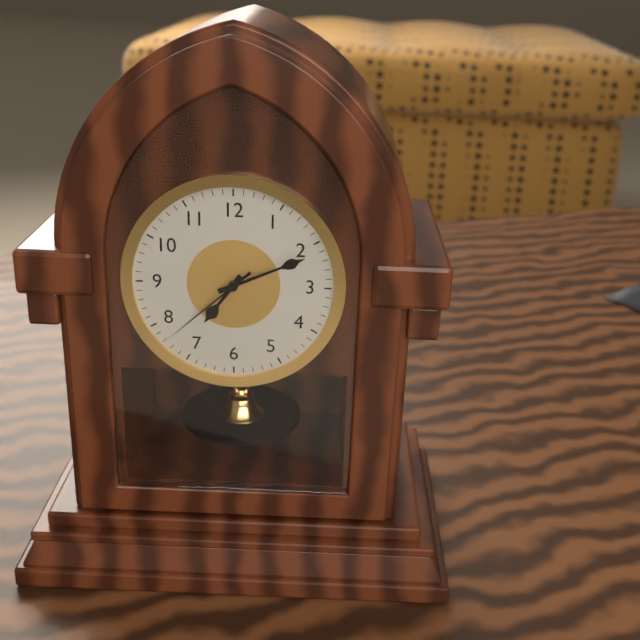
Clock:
7:11:38
